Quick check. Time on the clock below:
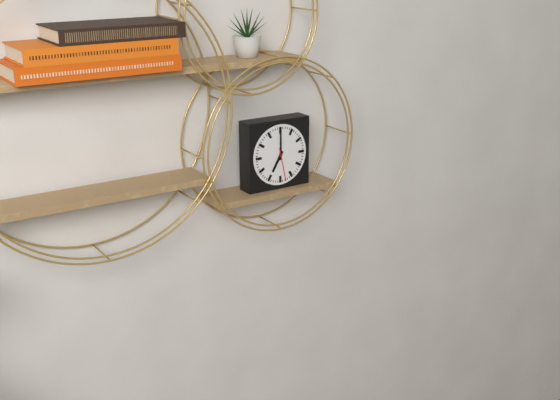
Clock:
7:00
